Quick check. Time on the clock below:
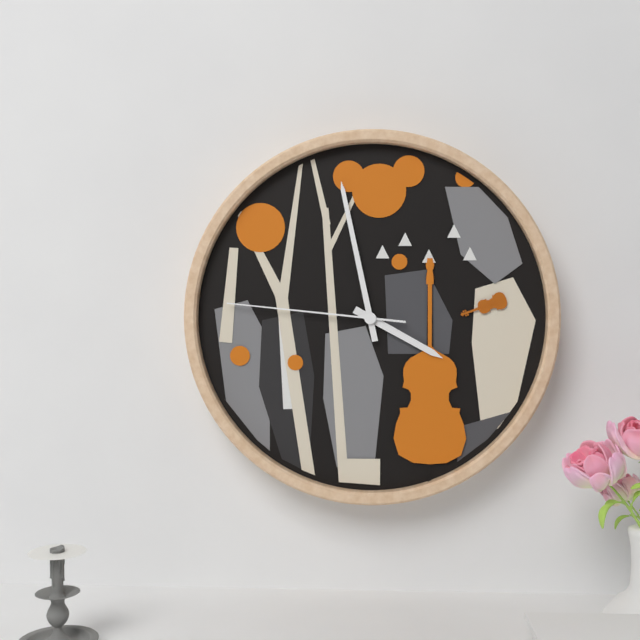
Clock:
3:58:46
